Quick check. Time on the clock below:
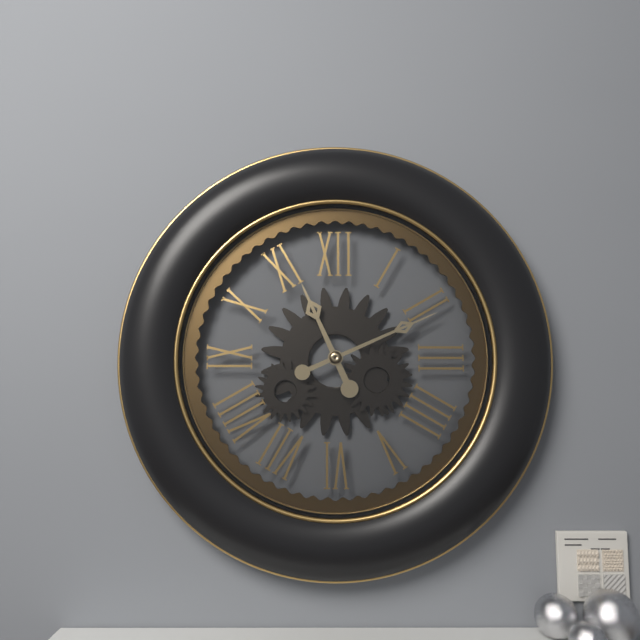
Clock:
11:11
